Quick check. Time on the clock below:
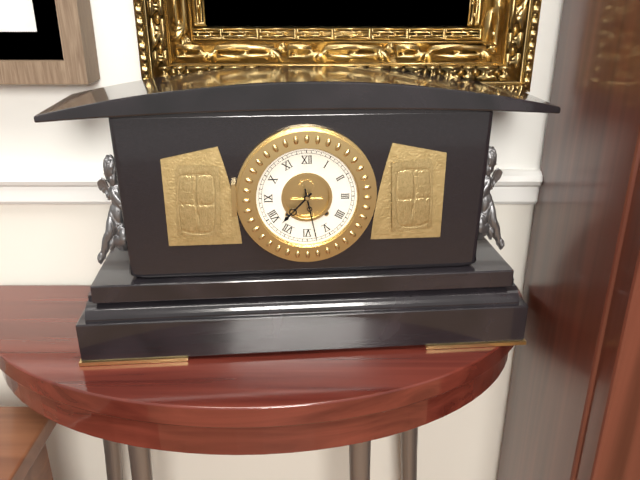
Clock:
7:28
